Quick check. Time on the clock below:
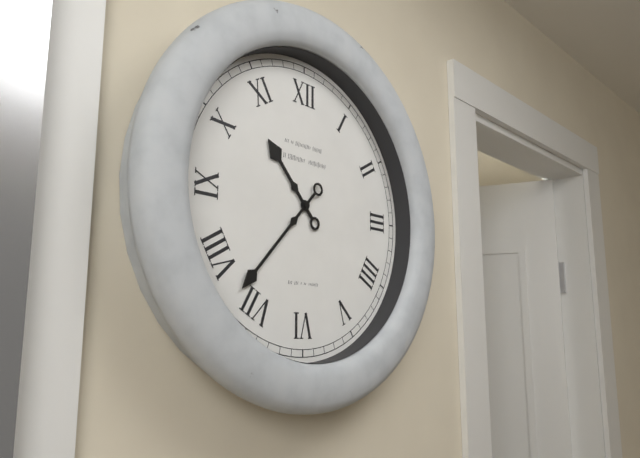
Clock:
10:37
